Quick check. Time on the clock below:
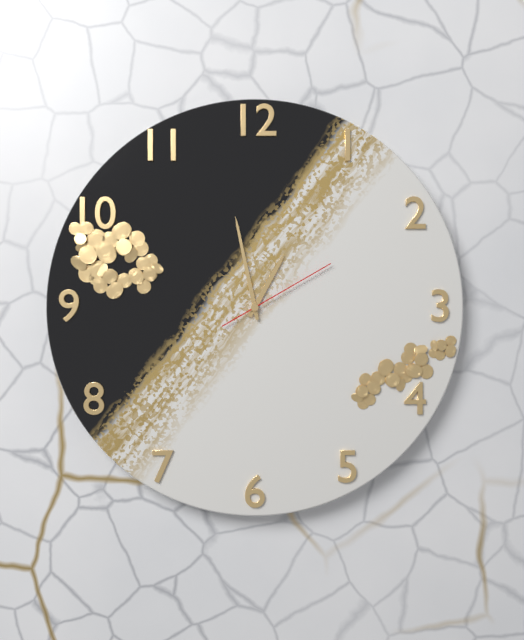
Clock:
12:58:10
